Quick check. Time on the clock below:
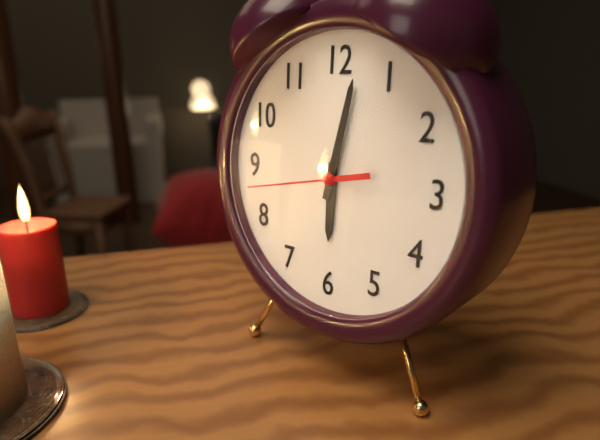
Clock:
6:02:43
